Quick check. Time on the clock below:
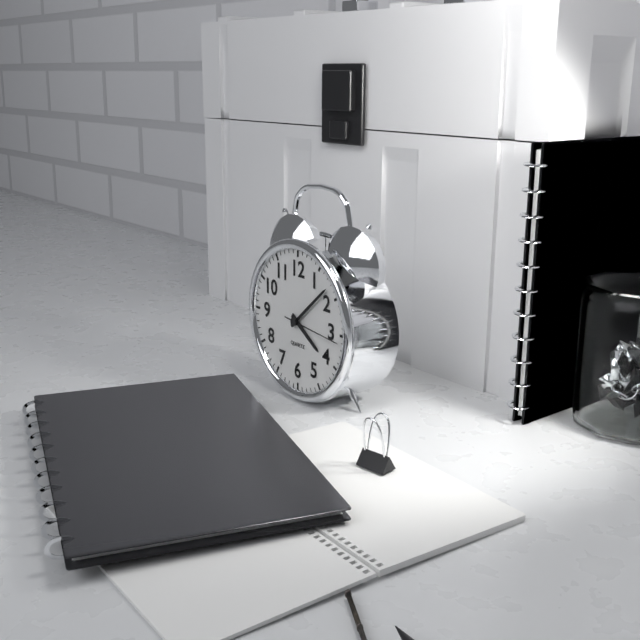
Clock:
4:08:16
